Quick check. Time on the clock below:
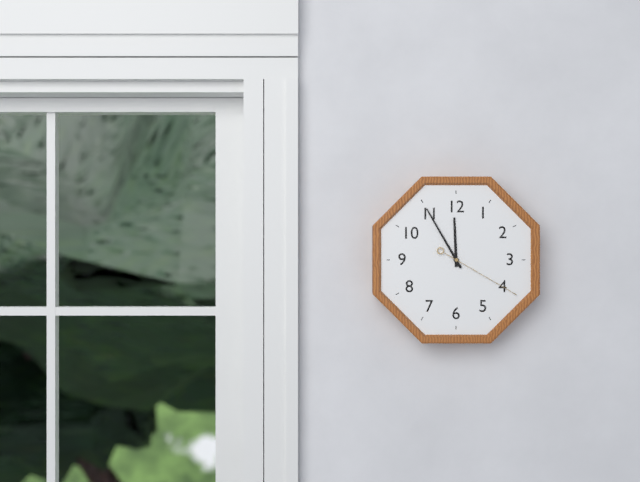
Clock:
11:55:20
